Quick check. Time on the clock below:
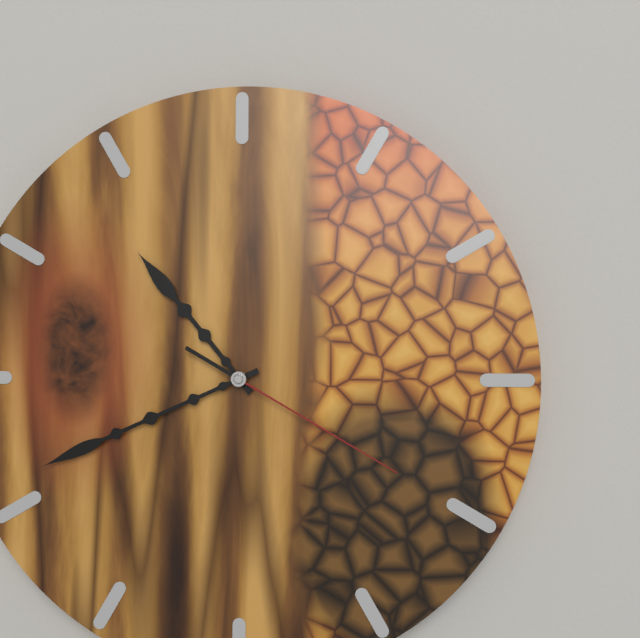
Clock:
10:41:20
